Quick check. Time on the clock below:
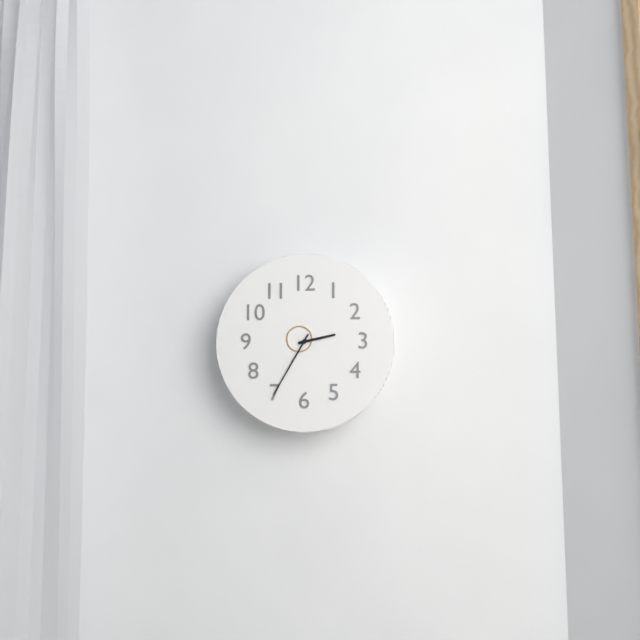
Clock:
2:35
